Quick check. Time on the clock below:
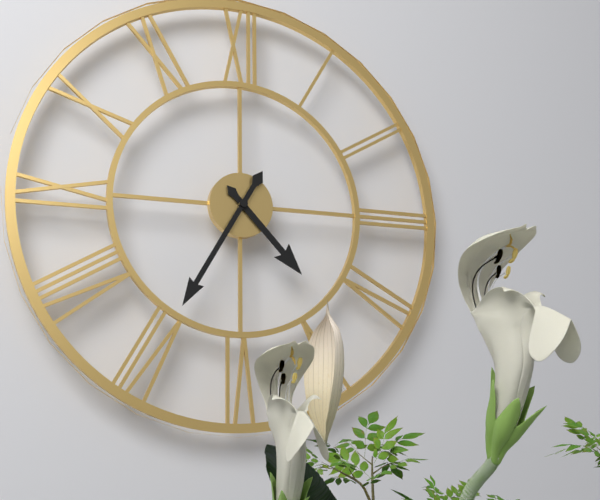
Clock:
4:35
